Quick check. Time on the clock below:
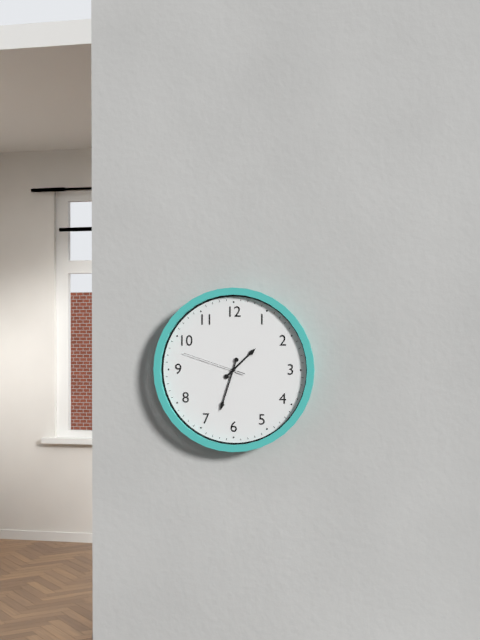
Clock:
1:33:48
